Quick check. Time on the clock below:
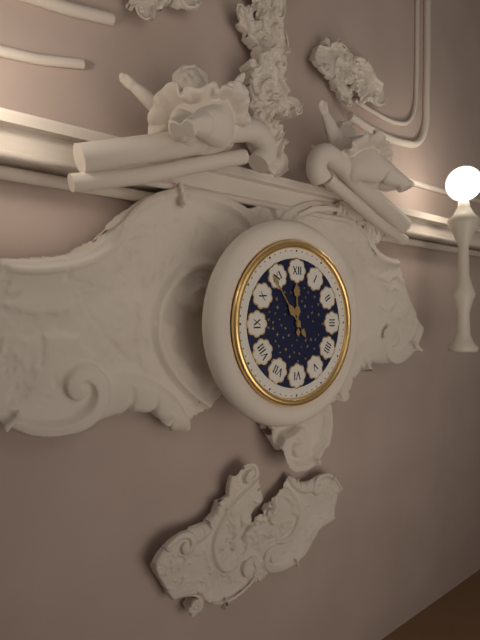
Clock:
11:54
